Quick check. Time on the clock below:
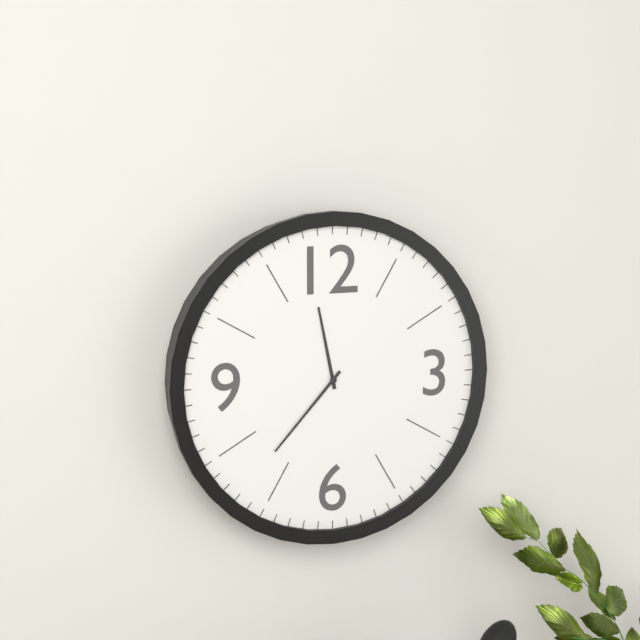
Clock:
11:37
